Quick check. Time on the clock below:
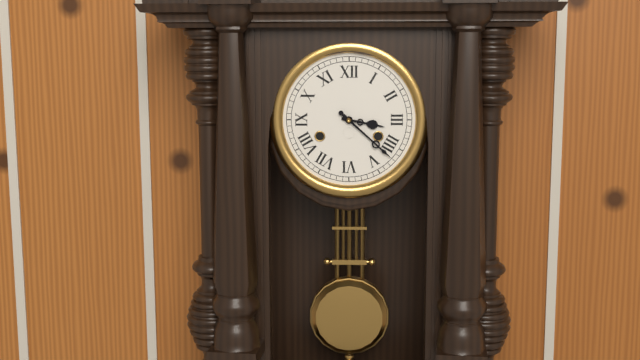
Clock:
3:22
